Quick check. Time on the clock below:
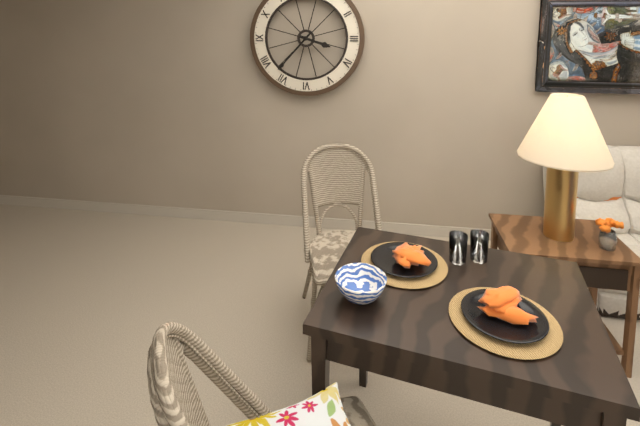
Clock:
3:37
